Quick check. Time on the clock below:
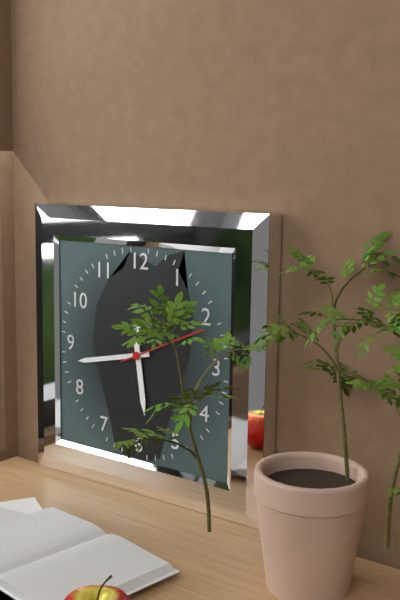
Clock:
5:43:11
